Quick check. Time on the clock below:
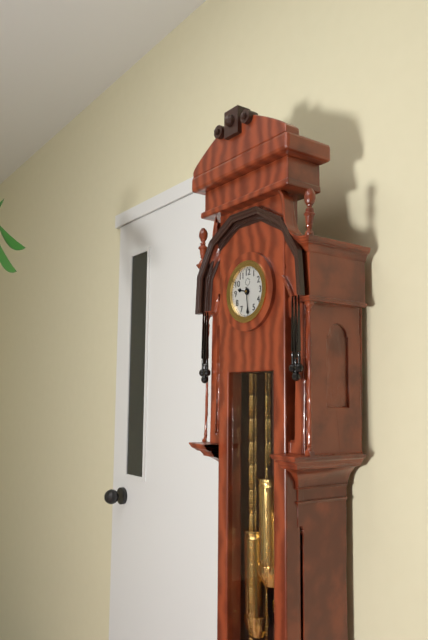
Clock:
9:29
